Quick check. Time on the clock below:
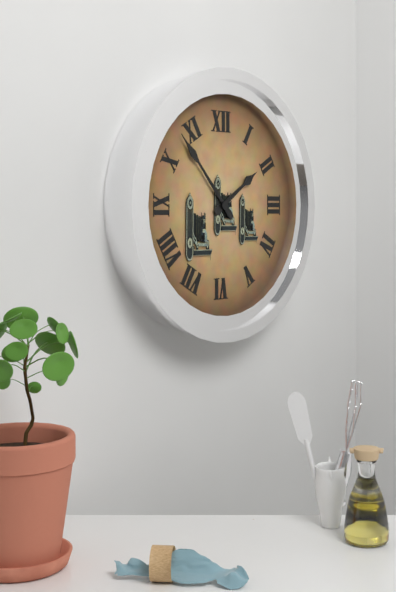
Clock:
1:53
